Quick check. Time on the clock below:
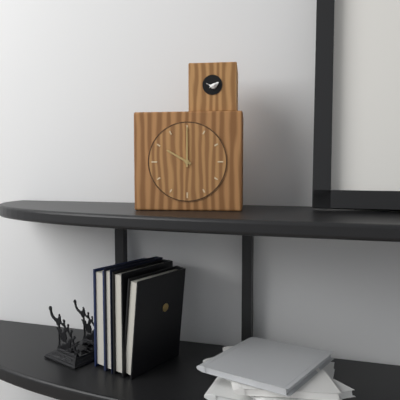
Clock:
10:00
